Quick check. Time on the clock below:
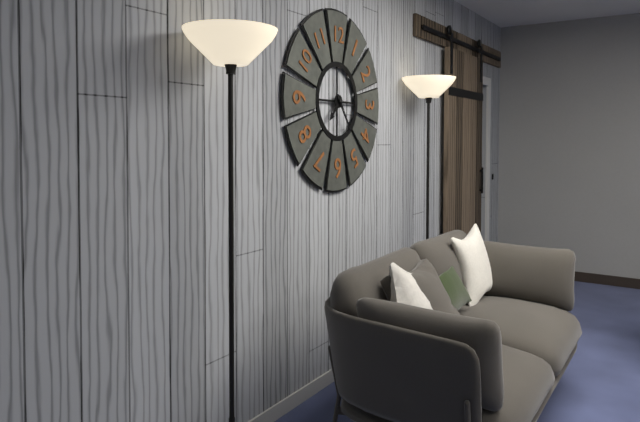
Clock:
7:24
